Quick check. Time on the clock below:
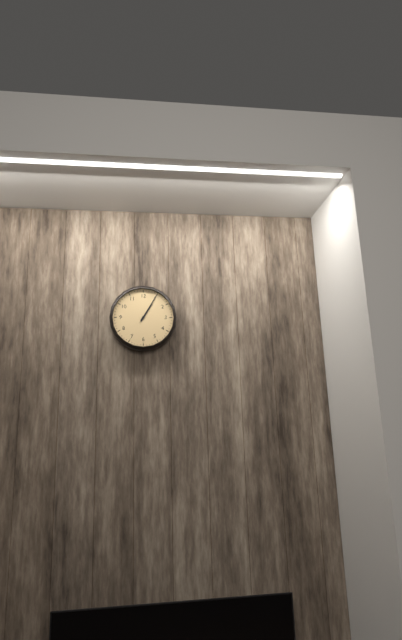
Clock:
1:05
